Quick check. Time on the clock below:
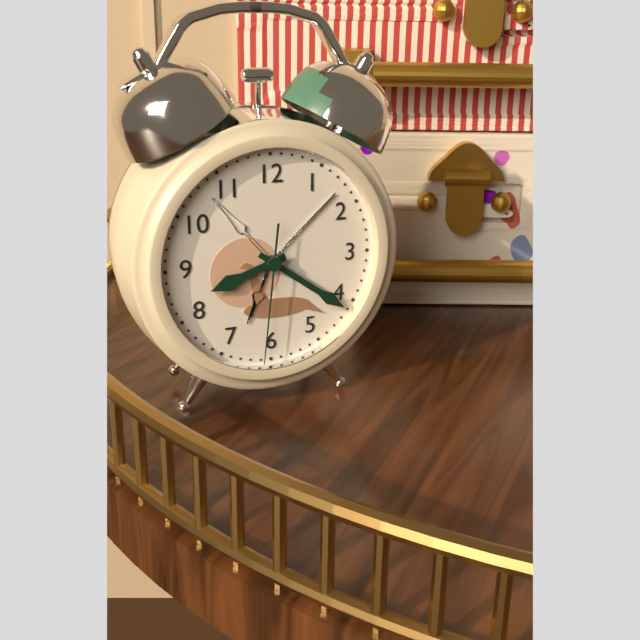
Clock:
8:21:31
